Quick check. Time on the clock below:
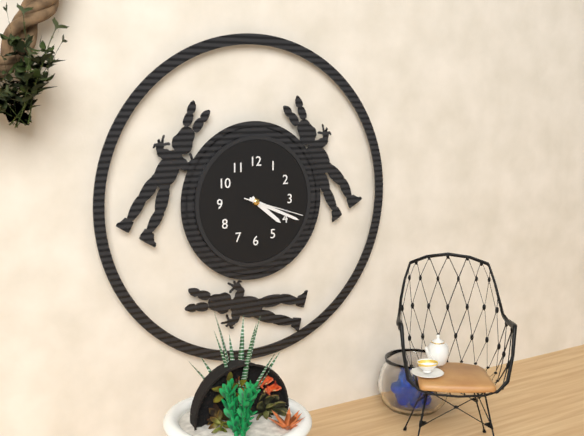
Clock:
4:19:18
